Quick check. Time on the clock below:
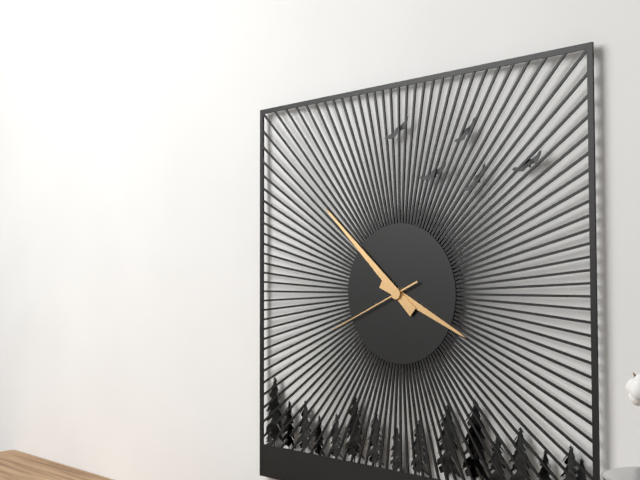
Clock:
3:52:41
